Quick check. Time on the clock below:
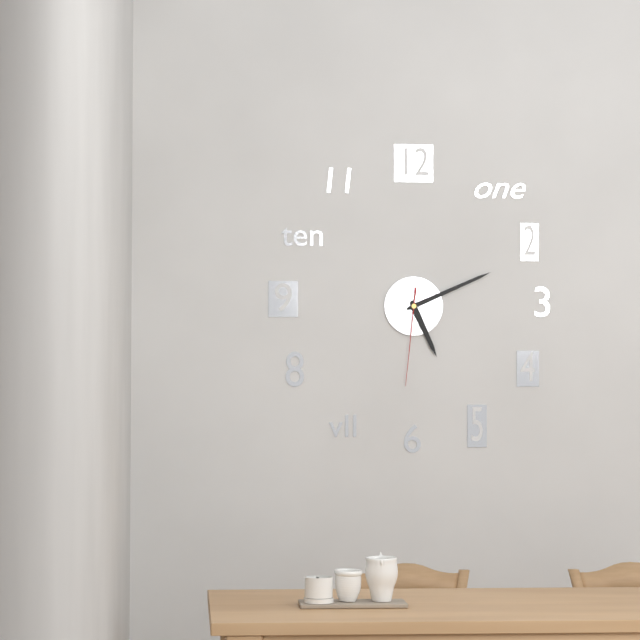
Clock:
5:11:31
